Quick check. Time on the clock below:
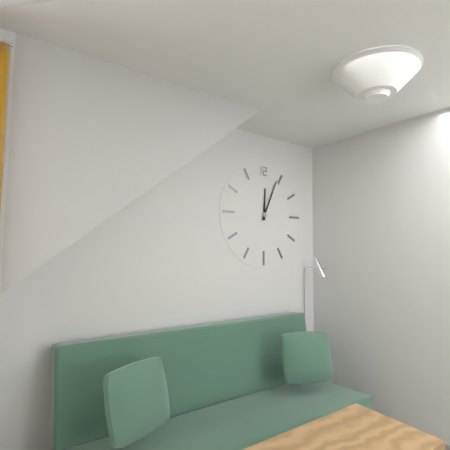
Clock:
12:04
